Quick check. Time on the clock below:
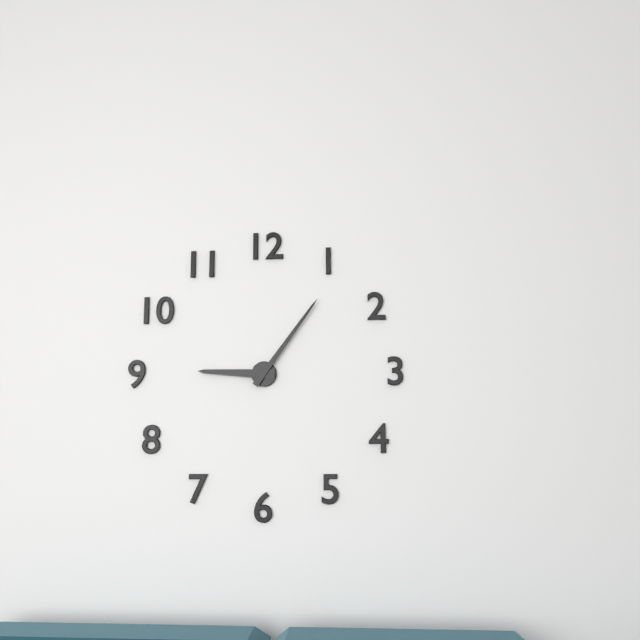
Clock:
9:06
